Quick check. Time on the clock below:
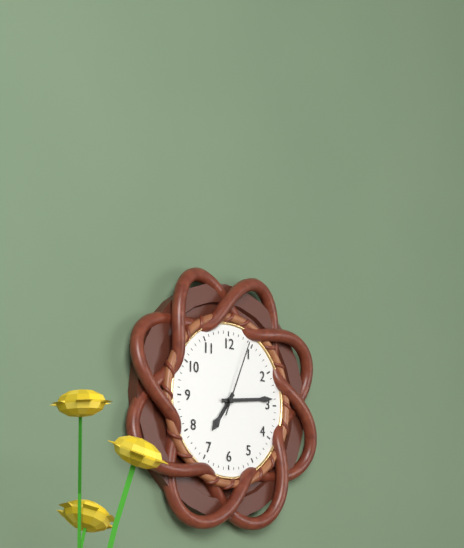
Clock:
7:14:04
